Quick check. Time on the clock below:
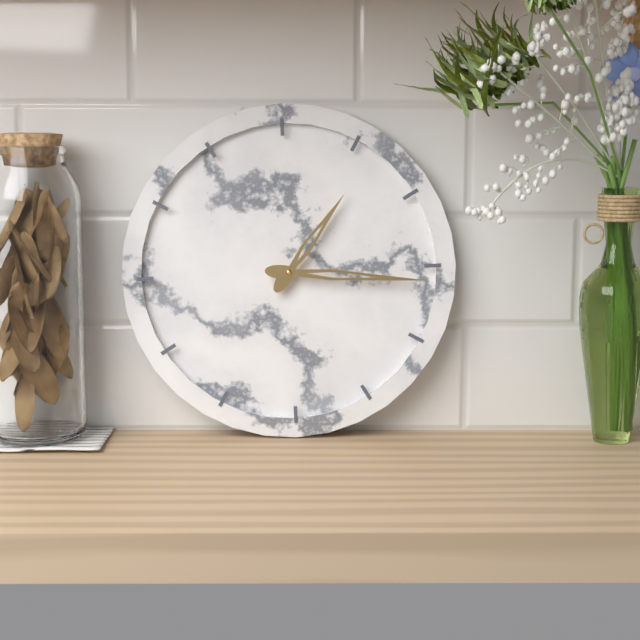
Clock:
1:16
